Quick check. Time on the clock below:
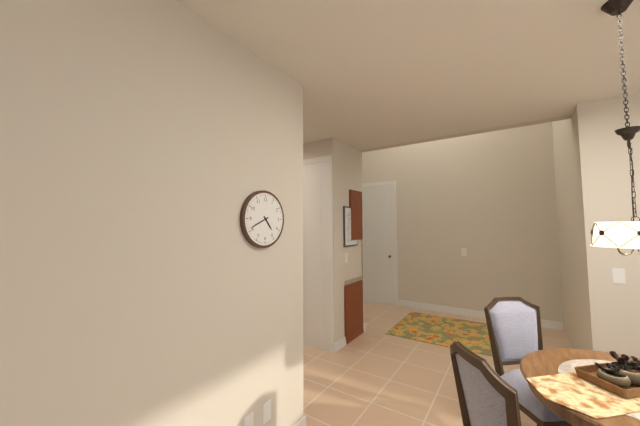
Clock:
4:41
